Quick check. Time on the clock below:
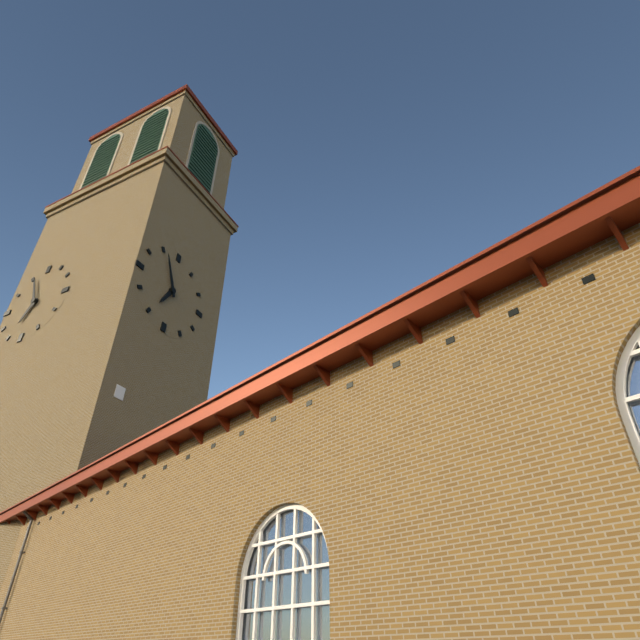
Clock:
6:56
